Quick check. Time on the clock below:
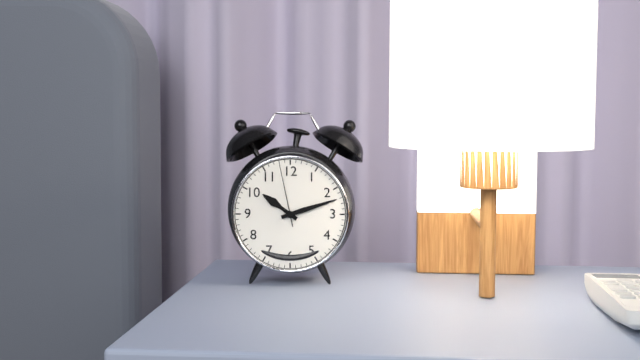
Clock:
10:12:58
